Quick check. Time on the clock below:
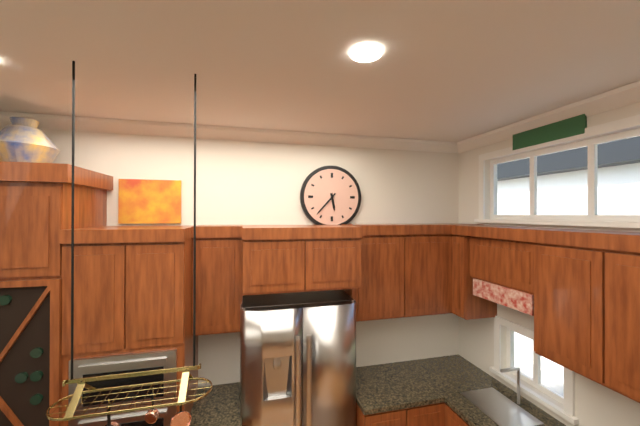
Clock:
5:37
